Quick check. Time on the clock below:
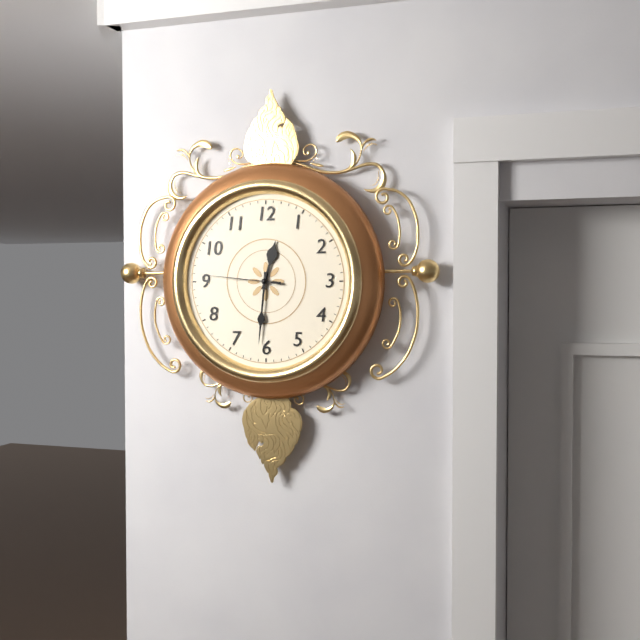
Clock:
12:31:46
